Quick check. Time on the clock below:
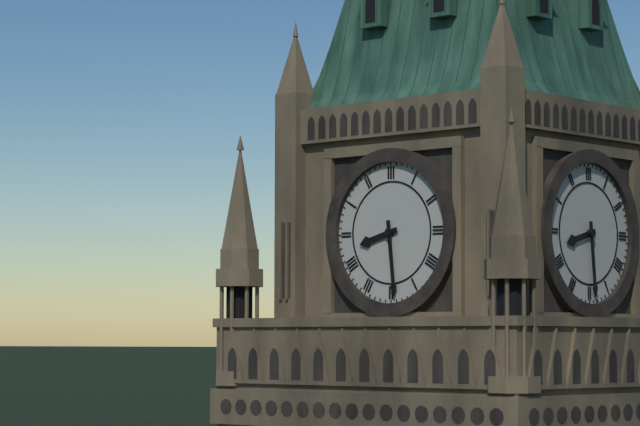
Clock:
8:29
